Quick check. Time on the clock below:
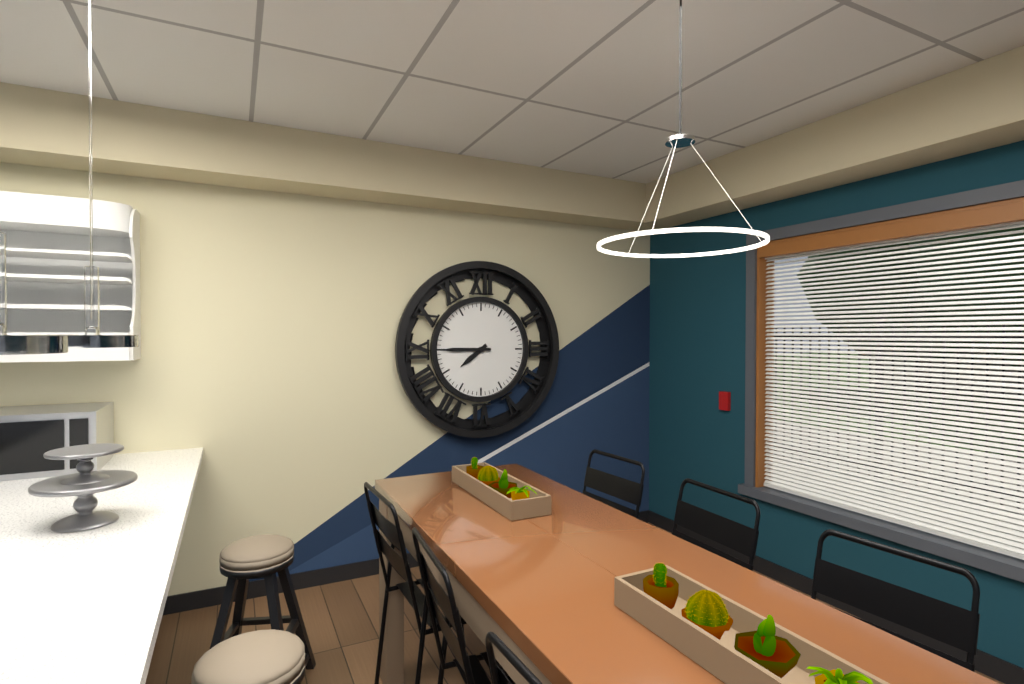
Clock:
7:45
